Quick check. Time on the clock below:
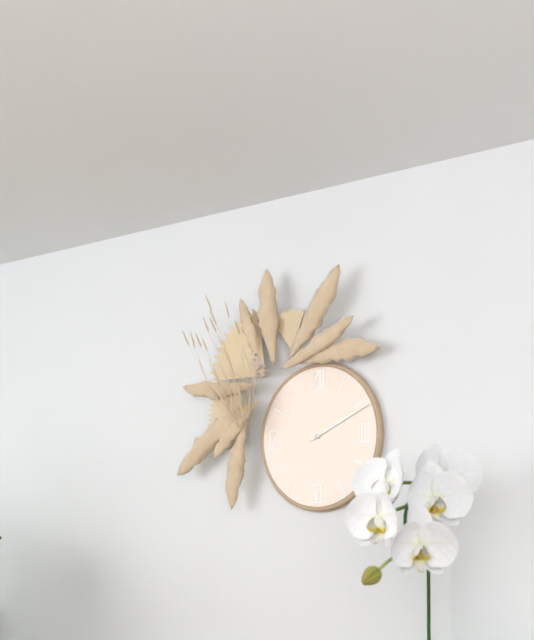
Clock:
2:11
